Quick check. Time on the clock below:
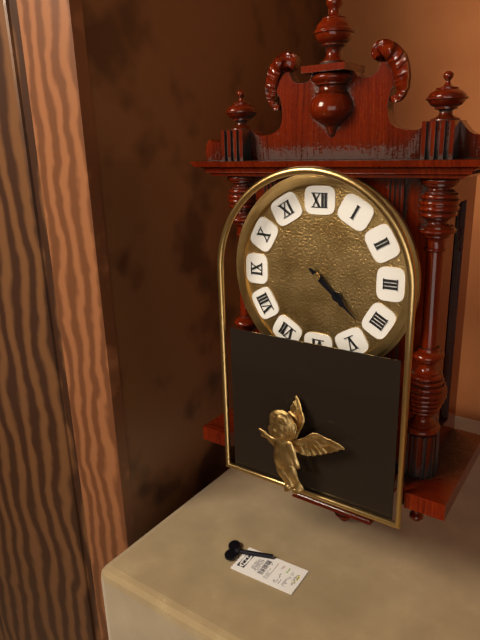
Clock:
4:22
